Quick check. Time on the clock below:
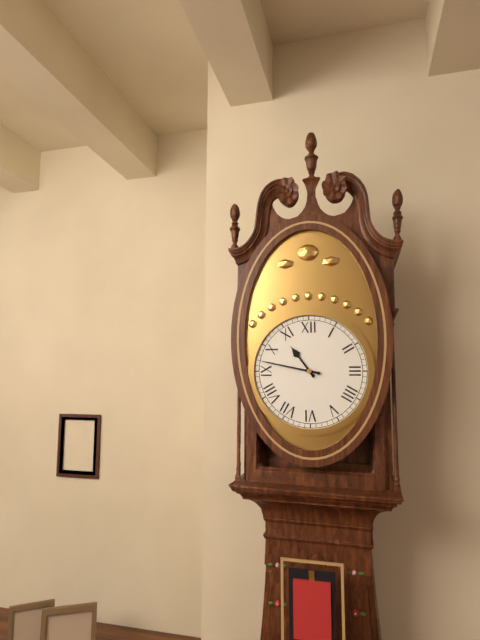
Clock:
10:47
